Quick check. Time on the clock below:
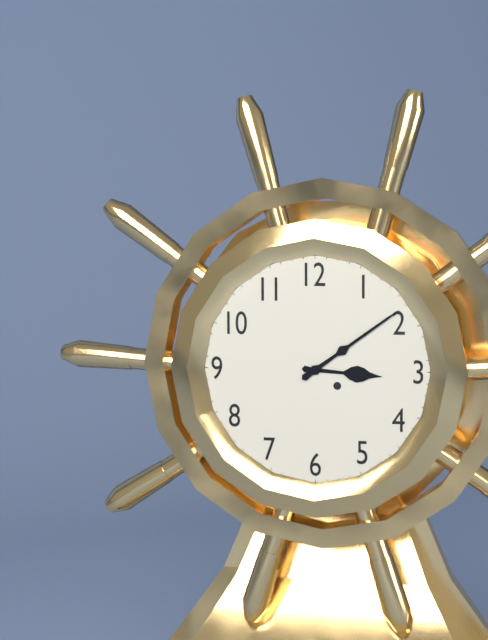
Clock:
3:09
